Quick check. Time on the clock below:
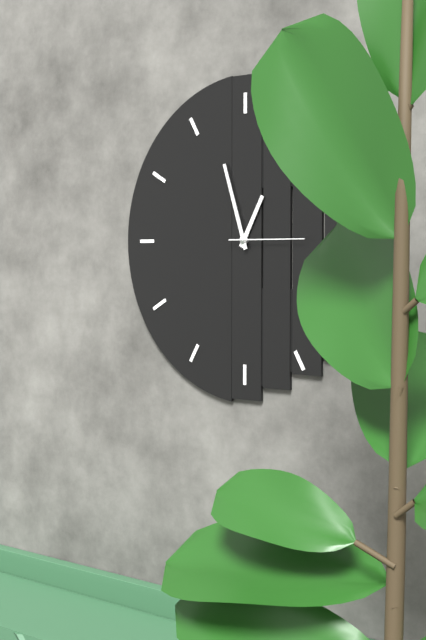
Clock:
12:57:15
